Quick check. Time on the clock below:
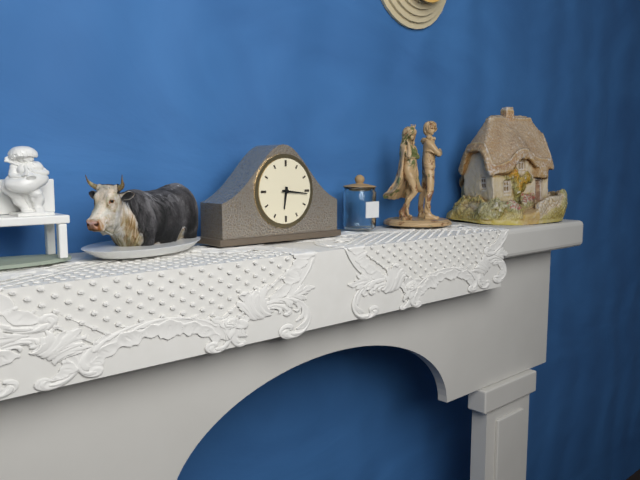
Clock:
6:16
